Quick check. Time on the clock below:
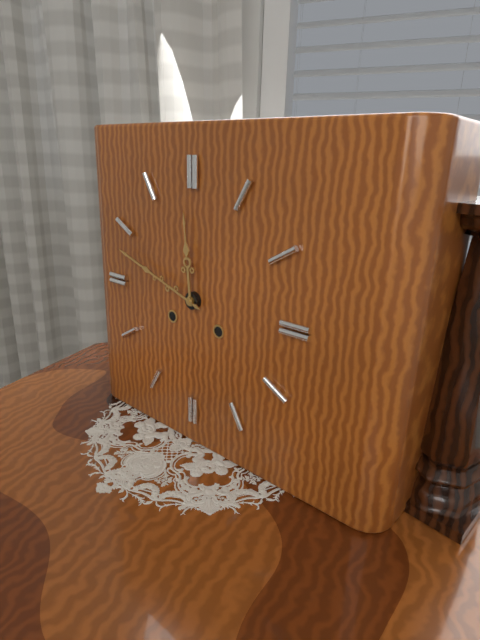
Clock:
11:48
